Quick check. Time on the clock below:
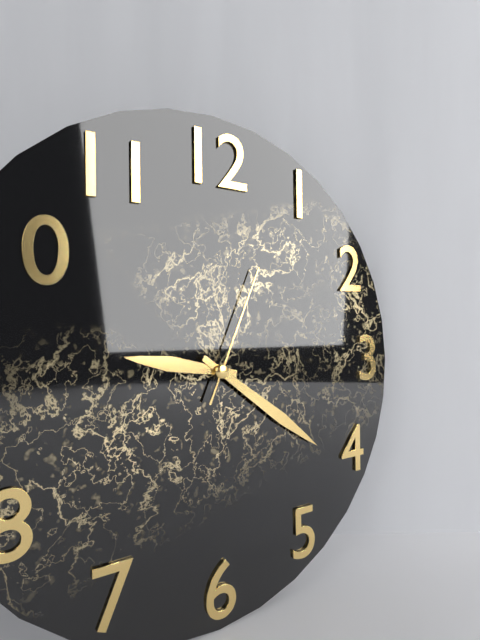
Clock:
9:21:04
